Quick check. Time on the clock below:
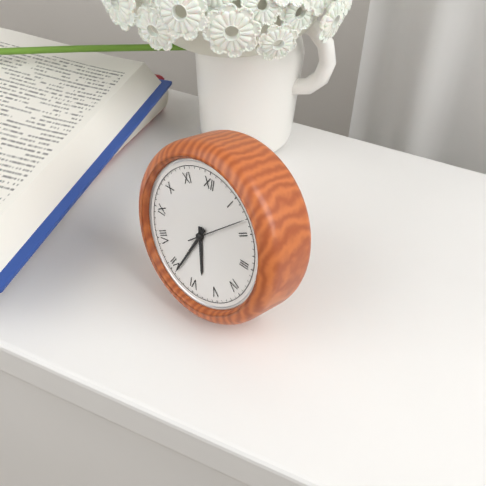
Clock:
5:34:08
